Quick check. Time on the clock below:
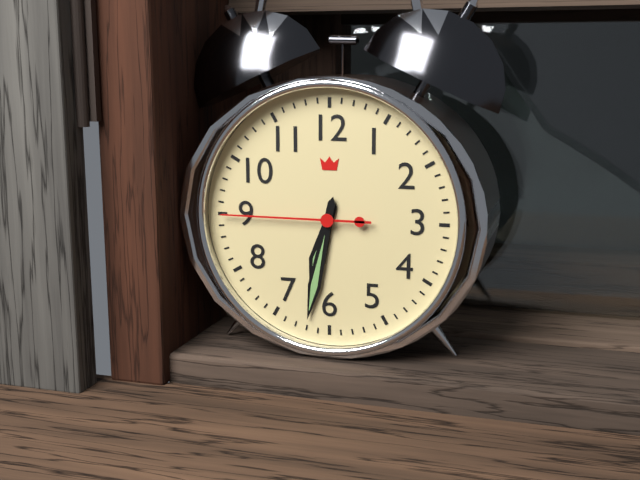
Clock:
6:32:45
